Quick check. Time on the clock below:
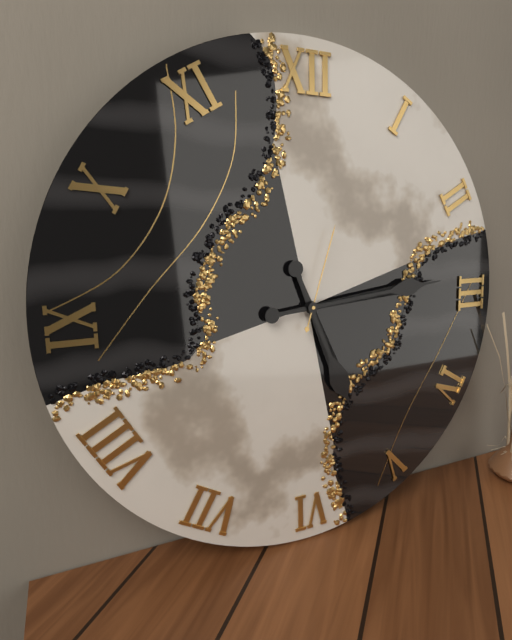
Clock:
5:14:03
